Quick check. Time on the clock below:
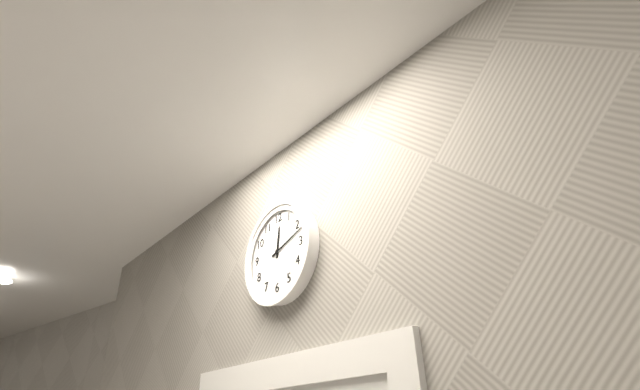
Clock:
12:12
